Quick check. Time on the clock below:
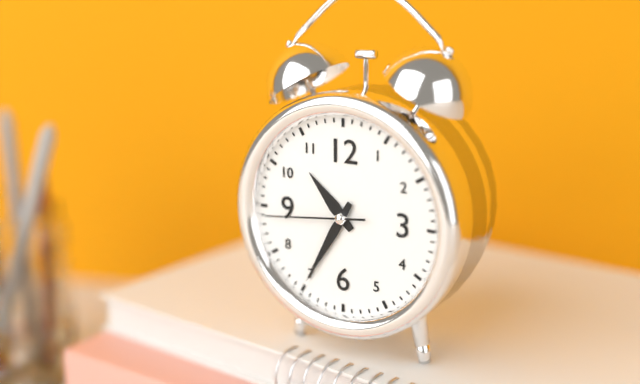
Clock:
10:35:44
